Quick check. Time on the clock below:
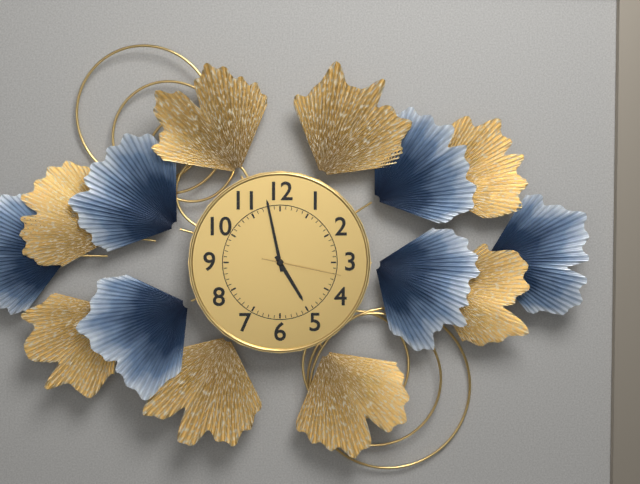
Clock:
4:58:17
